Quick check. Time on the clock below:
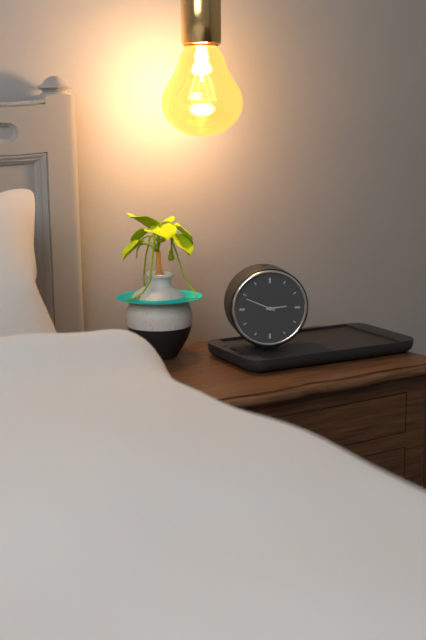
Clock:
2:49
